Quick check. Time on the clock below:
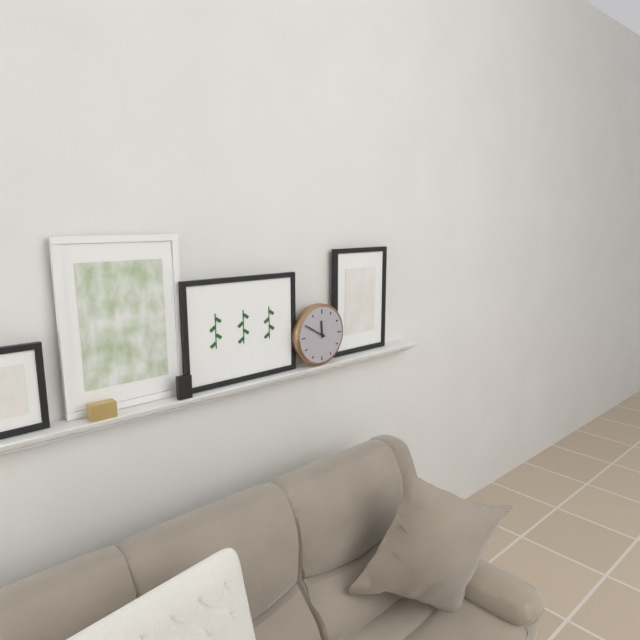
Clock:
11:50
